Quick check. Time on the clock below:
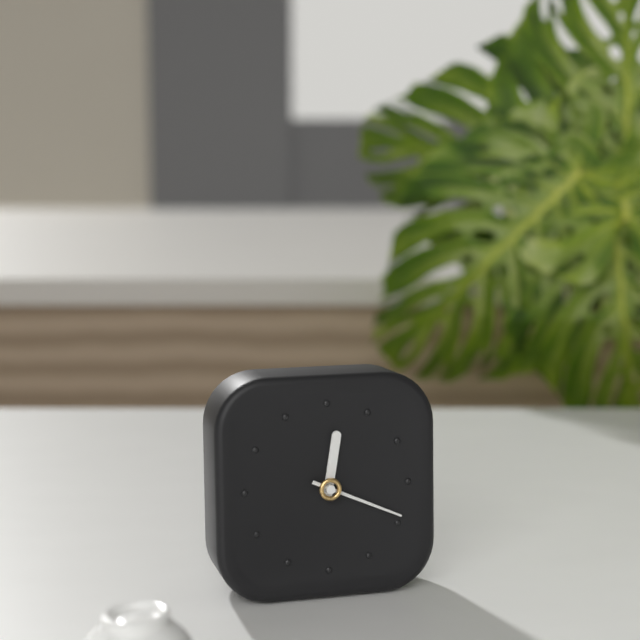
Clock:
12:19
